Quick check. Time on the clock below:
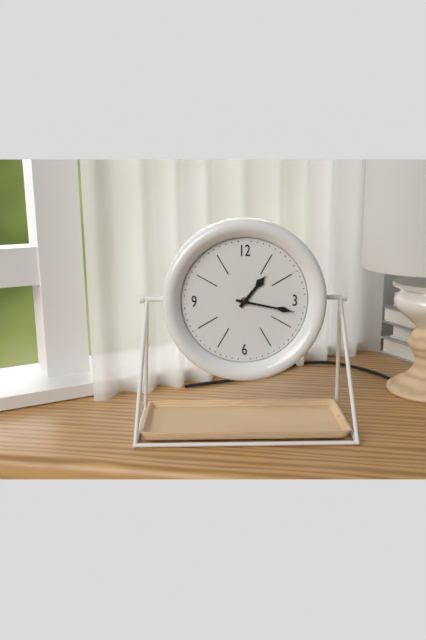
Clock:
1:17
